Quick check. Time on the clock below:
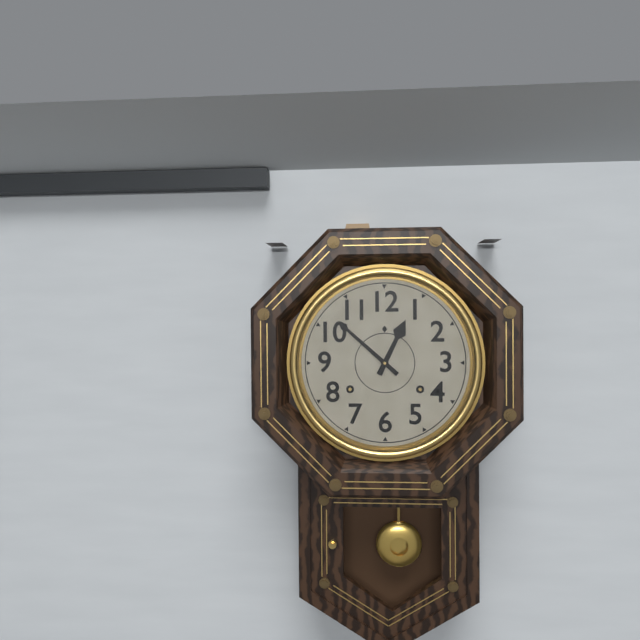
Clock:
12:52
